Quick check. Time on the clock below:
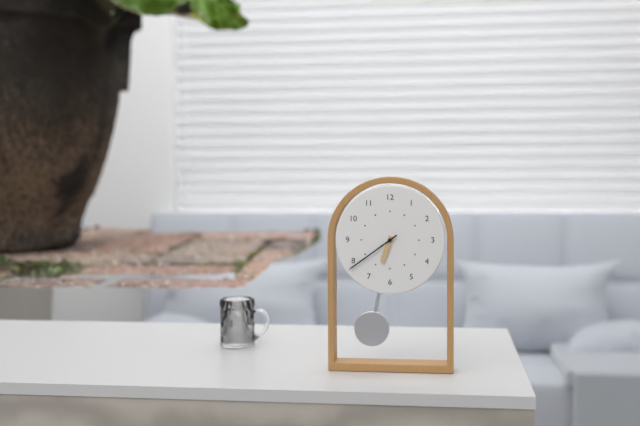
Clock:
6:39
